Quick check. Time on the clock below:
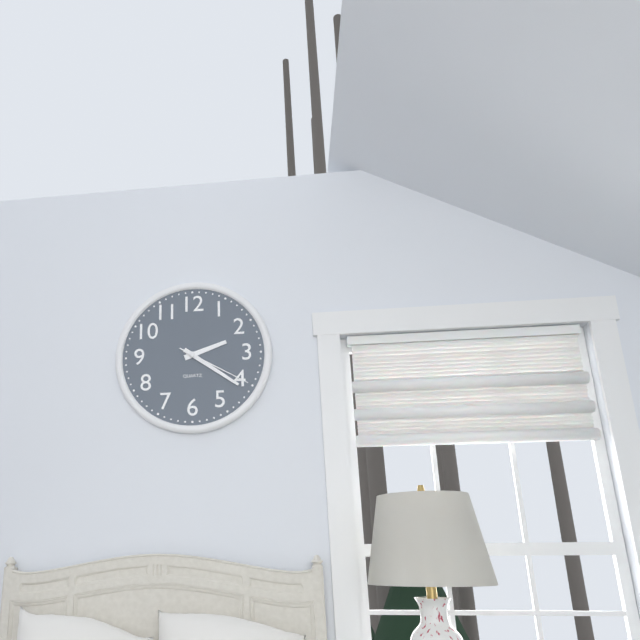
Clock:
2:21:20
